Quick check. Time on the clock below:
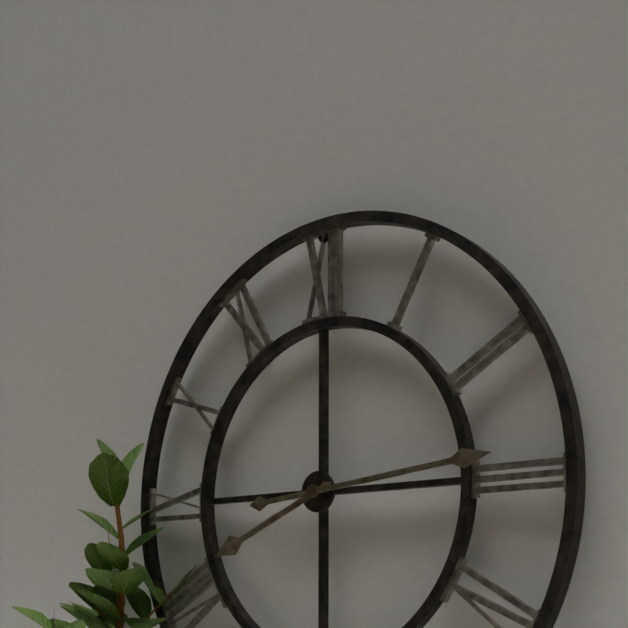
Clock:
8:14
